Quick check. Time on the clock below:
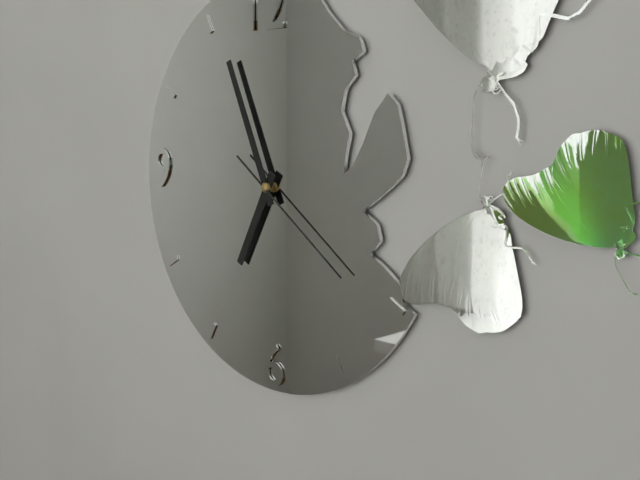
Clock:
6:56:21
